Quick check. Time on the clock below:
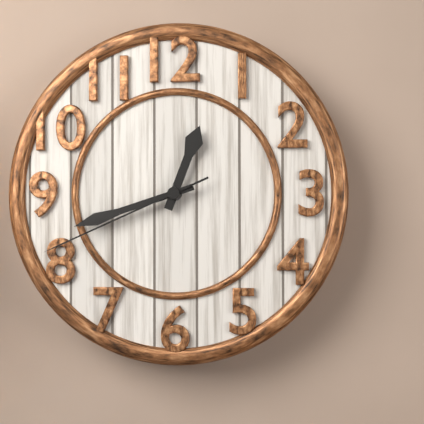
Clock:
12:42:41
